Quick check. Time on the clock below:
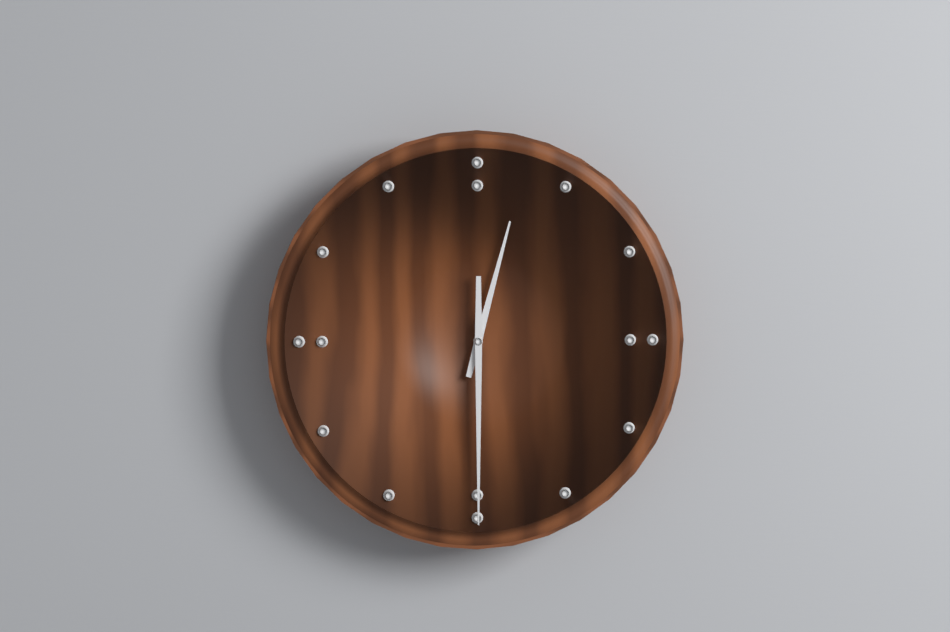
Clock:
12:30
